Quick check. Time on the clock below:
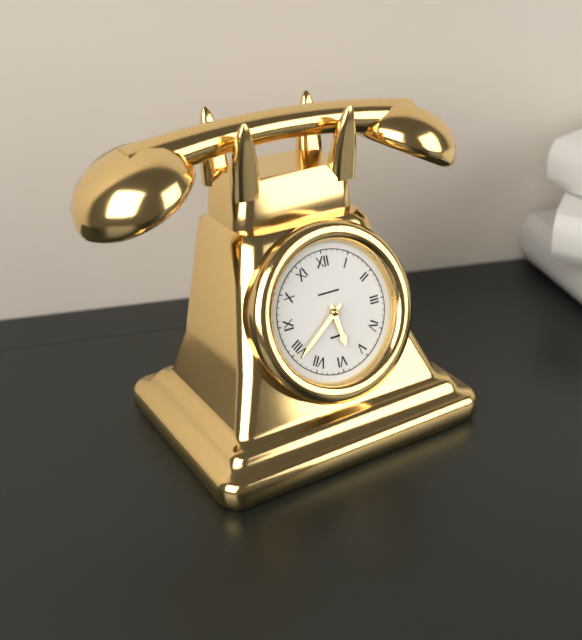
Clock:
5:39
